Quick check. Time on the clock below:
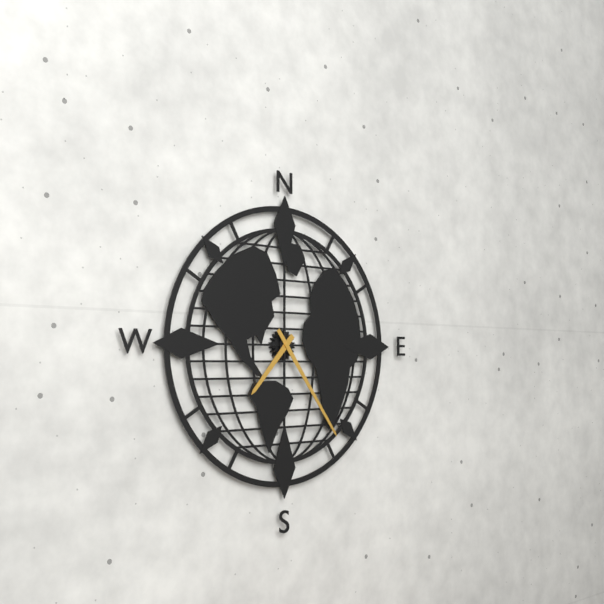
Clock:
7:24
